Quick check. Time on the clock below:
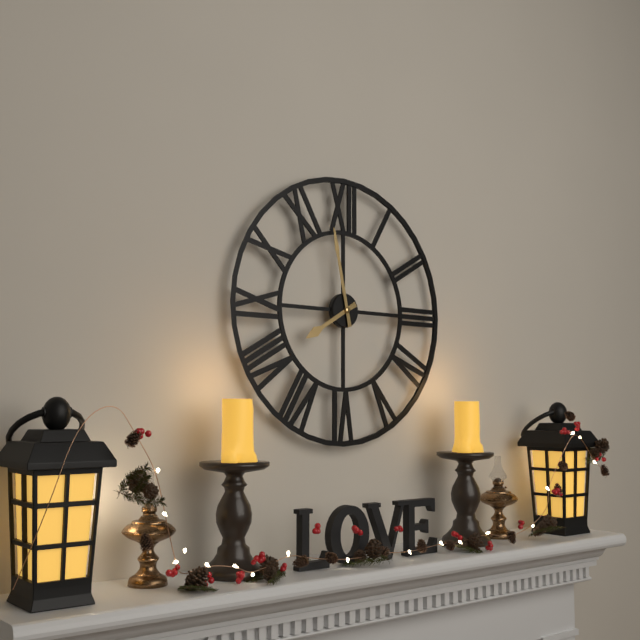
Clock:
7:58
